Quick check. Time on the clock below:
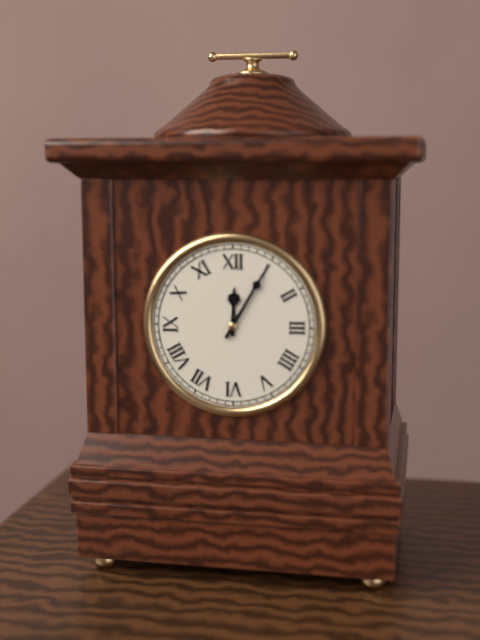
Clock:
12:05
